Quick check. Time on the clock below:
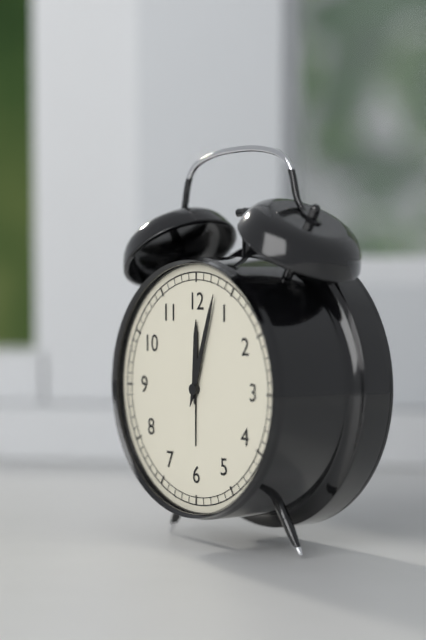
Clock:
12:03
